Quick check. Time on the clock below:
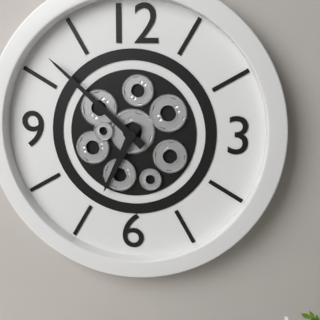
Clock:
6:52
